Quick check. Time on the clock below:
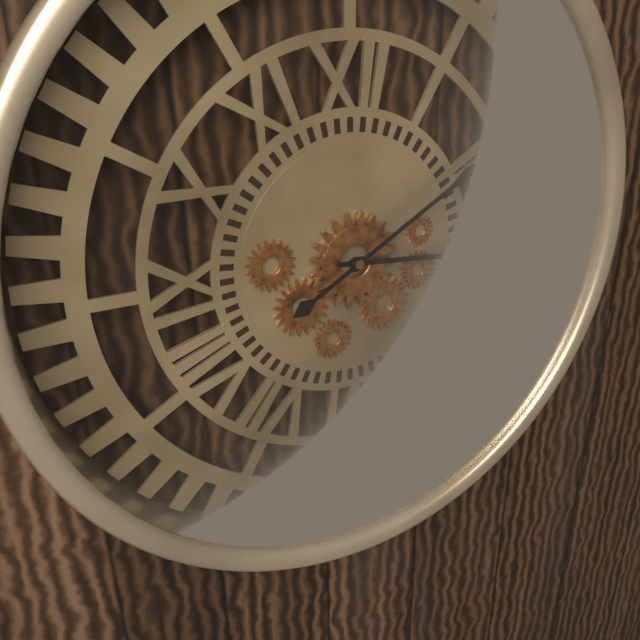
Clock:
3:10
